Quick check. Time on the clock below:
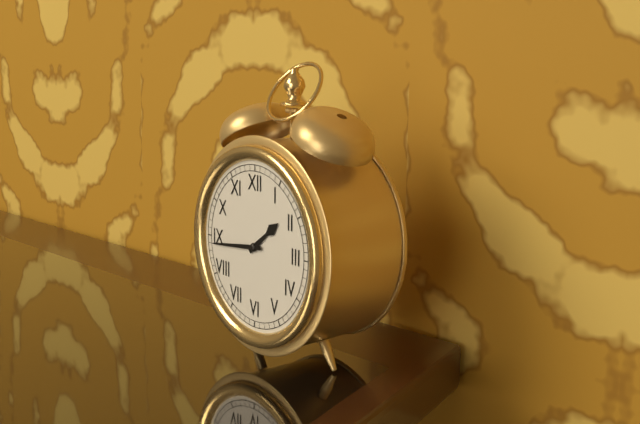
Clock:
1:44
